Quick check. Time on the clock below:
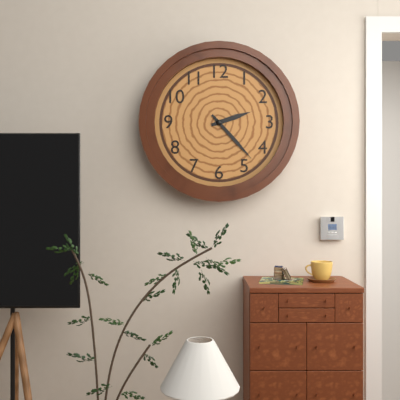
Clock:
2:23
